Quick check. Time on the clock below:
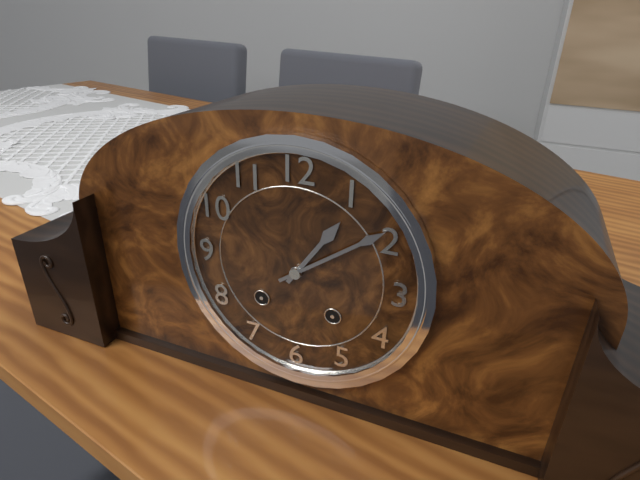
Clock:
1:09
